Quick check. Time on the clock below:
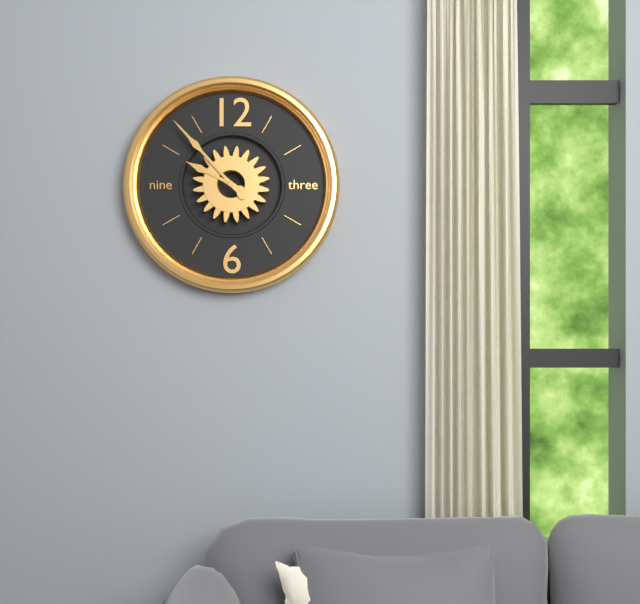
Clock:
9:53
